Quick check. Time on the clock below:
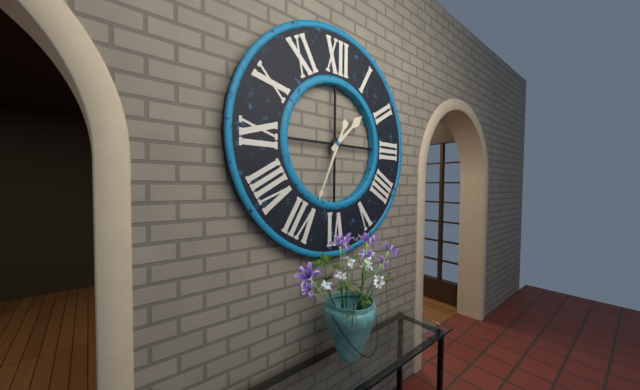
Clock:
1:34
